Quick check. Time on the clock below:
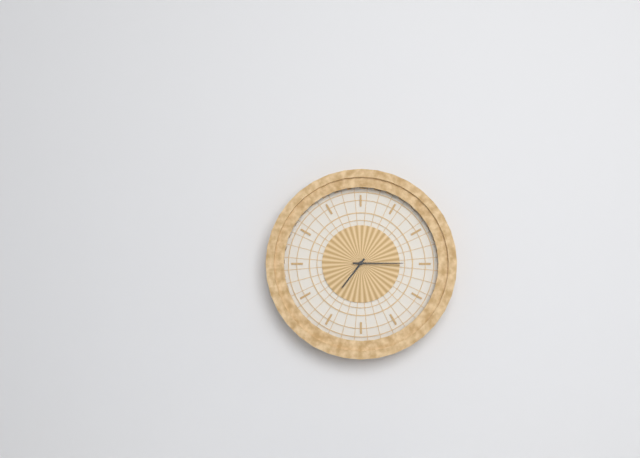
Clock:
7:15
